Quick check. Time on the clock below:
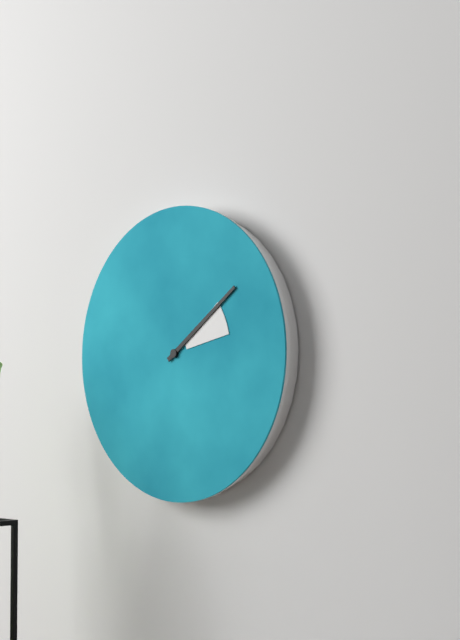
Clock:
2:09
